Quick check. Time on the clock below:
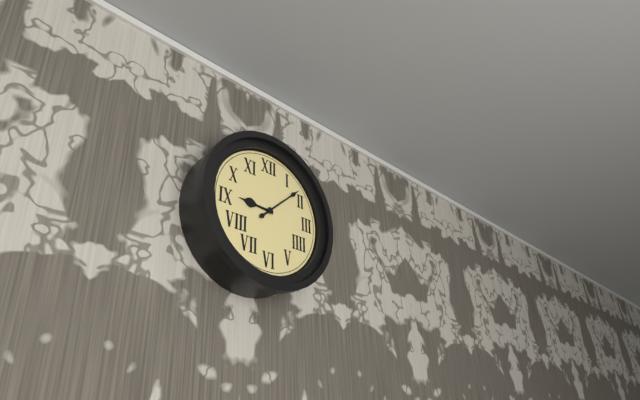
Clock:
9:08
